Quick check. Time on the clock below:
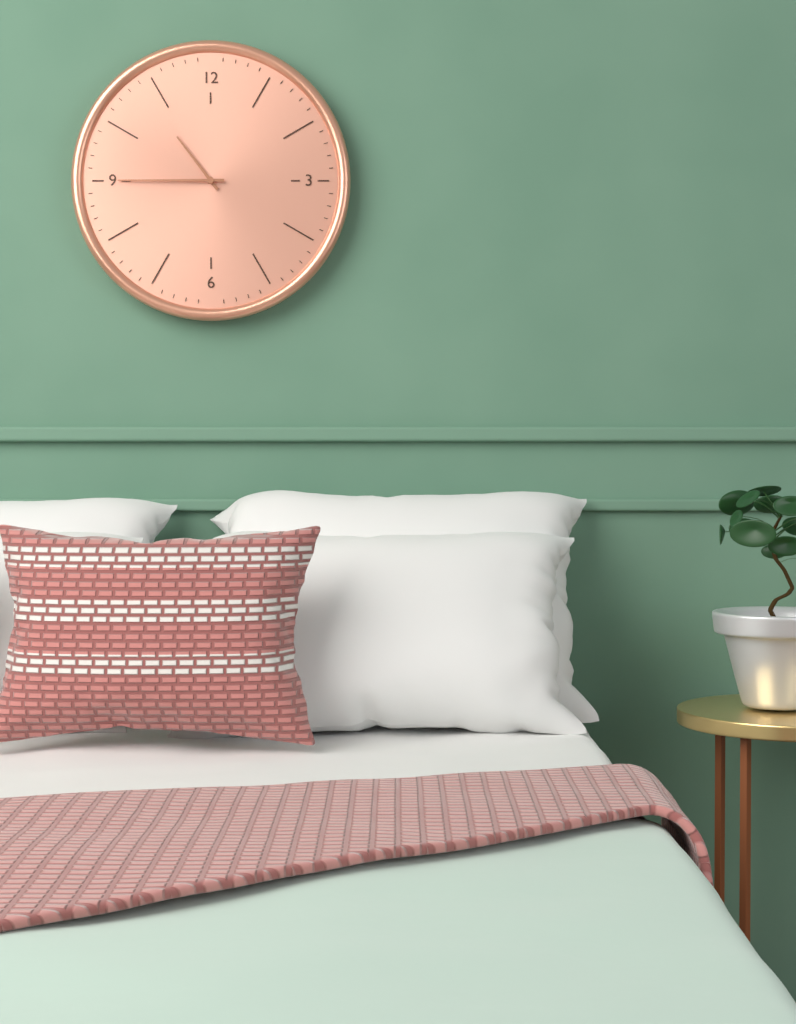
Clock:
10:45
